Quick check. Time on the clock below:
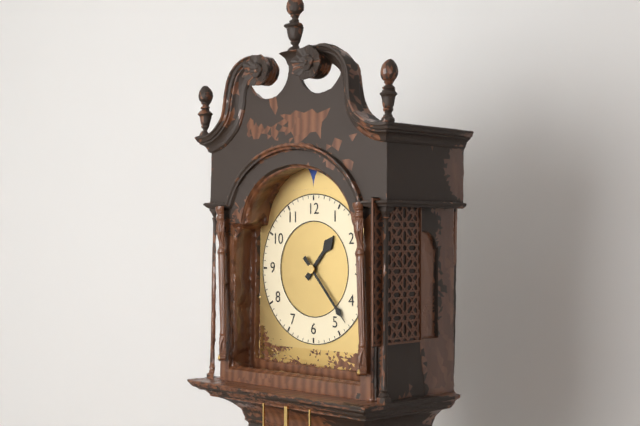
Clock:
1:23
